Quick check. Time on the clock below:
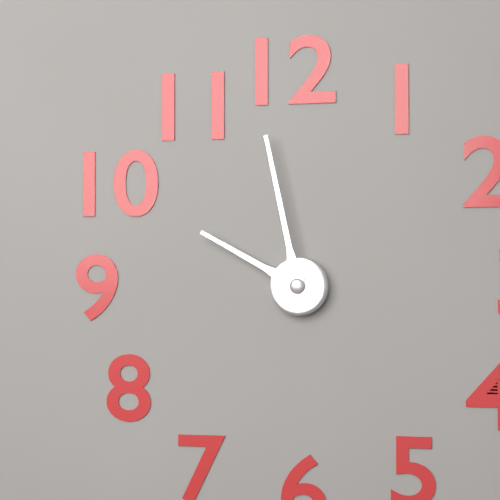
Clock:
9:58
